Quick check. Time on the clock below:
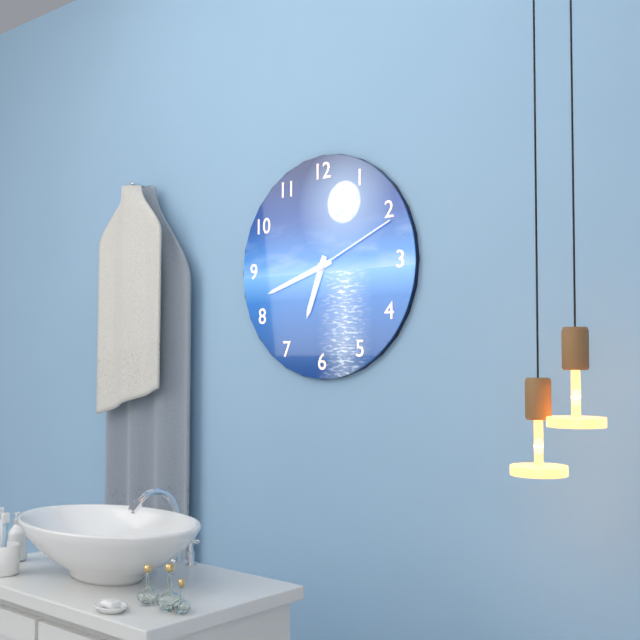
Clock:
6:42:11
